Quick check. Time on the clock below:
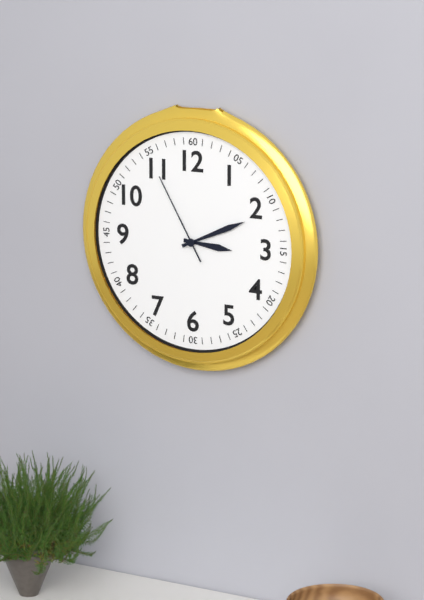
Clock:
3:11:55
